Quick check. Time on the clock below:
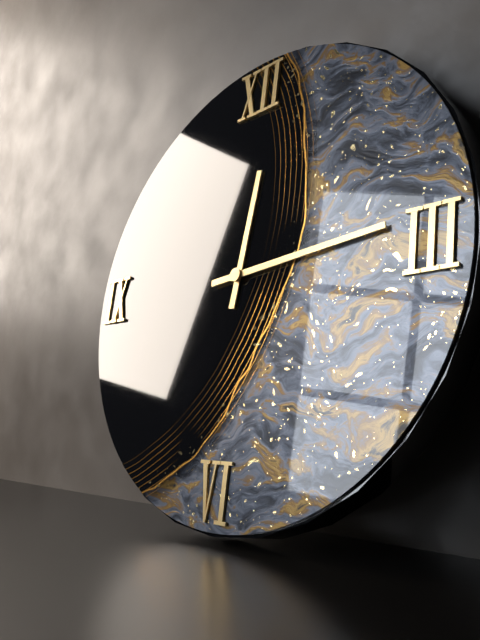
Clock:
12:14
